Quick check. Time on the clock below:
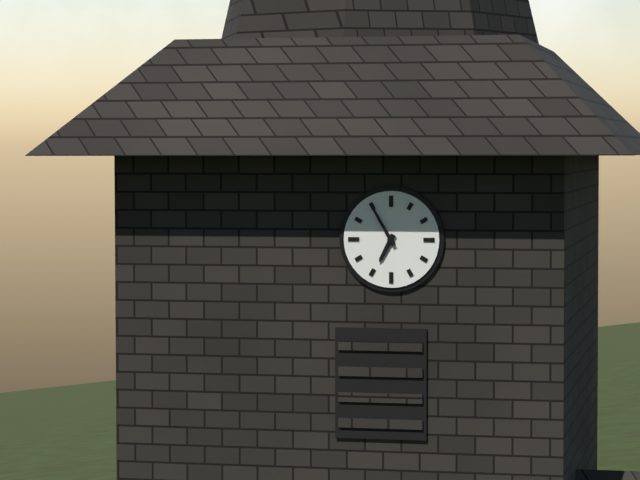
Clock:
6:55
